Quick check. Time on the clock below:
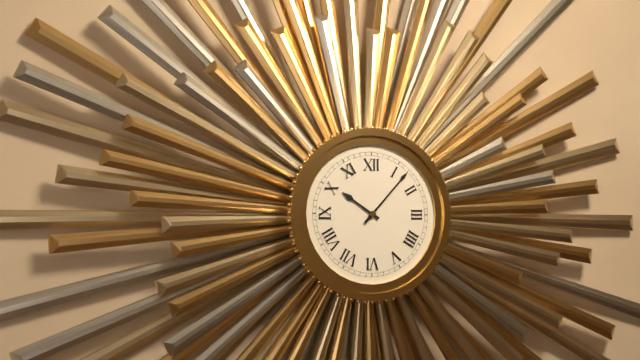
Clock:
10:07
